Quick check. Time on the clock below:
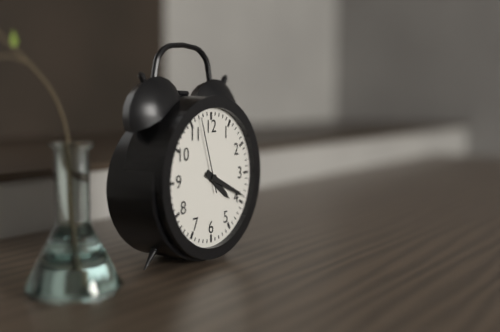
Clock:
4:19:57
